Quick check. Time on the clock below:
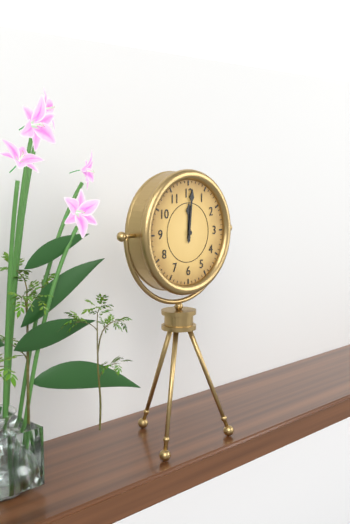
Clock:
12:01
